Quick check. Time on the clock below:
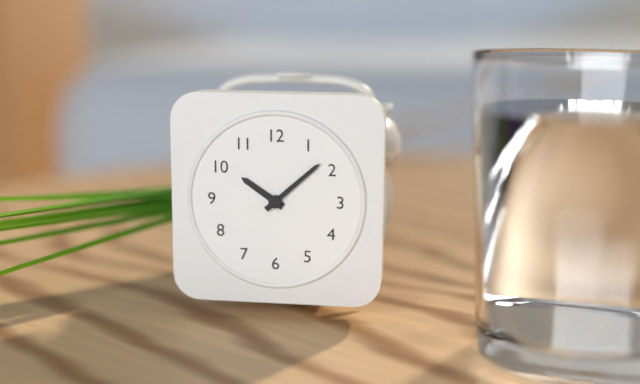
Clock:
10:08
